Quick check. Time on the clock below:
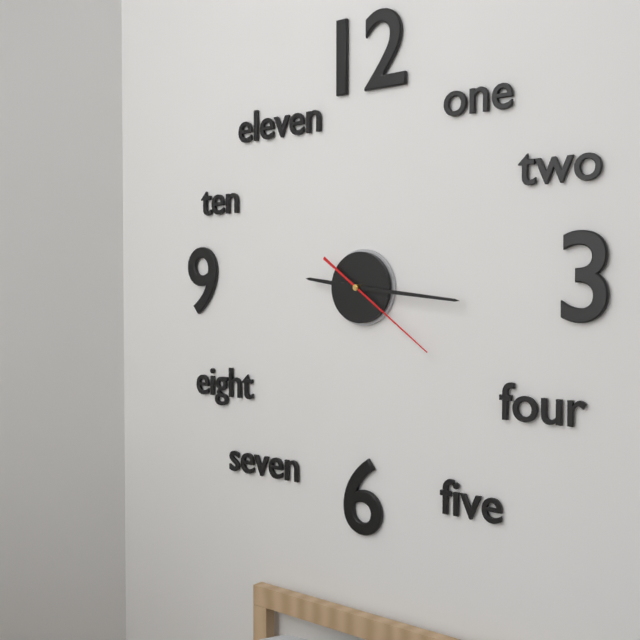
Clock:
9:16:21
